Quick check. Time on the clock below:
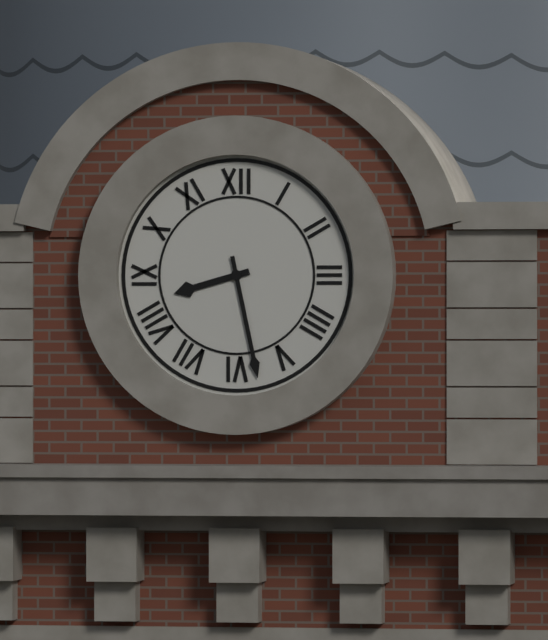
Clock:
8:28
